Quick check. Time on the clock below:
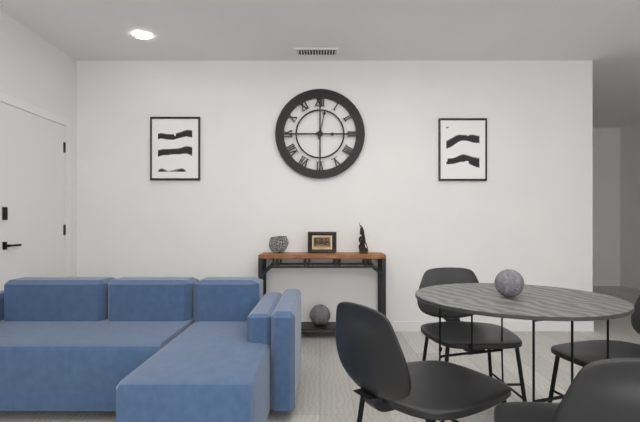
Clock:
3:02
